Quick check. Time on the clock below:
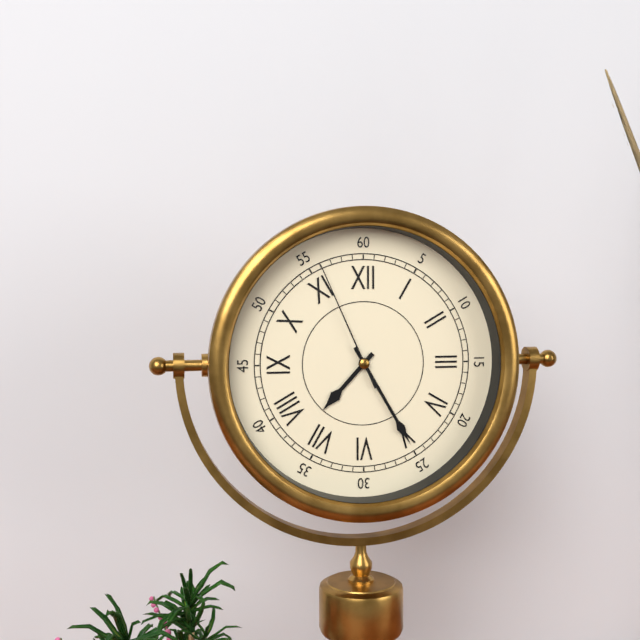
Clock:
7:25:56
